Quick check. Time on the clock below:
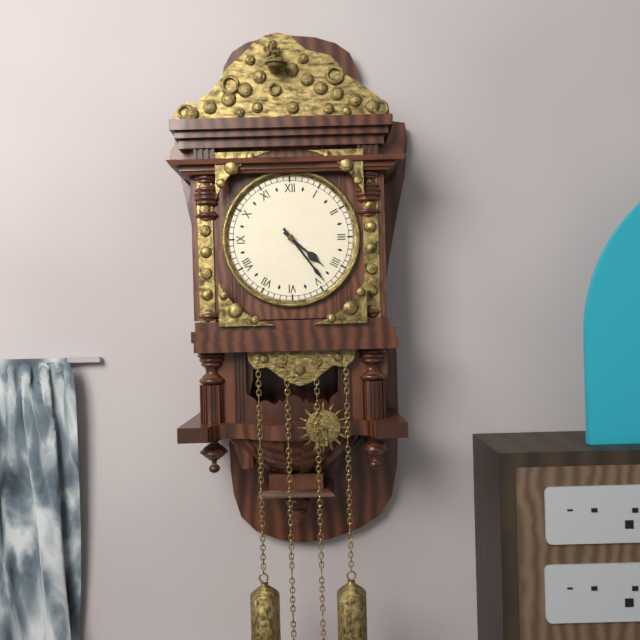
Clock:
4:24
